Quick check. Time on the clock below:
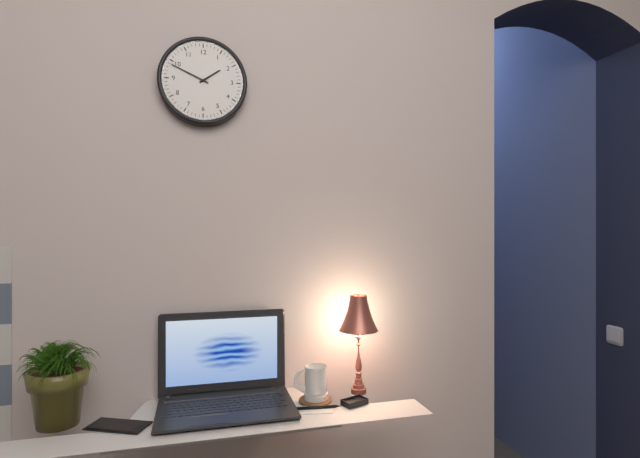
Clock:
1:49
